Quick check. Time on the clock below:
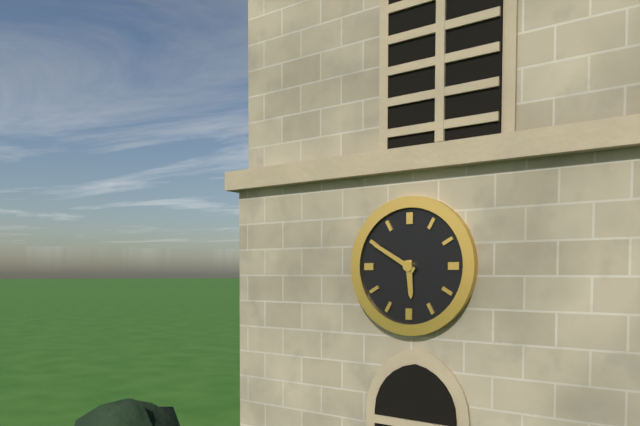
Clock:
5:50
